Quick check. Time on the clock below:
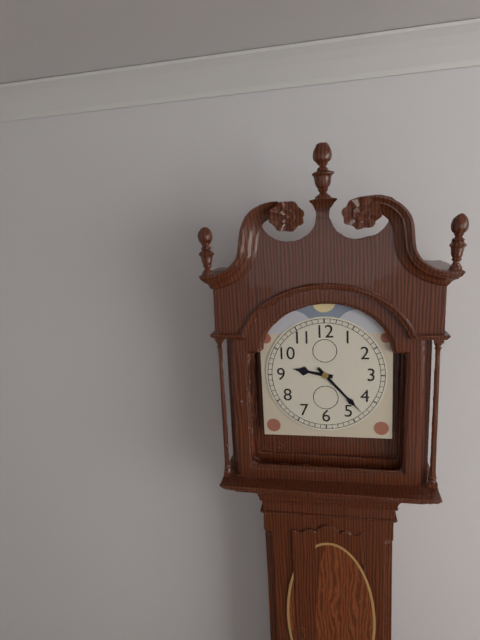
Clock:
9:23
